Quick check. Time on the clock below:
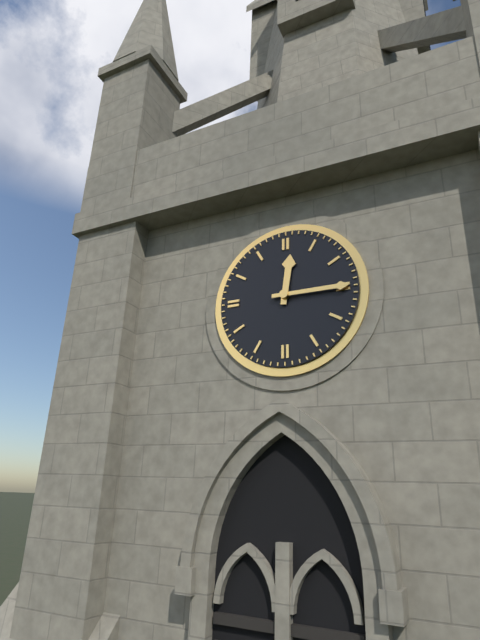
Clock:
12:15
